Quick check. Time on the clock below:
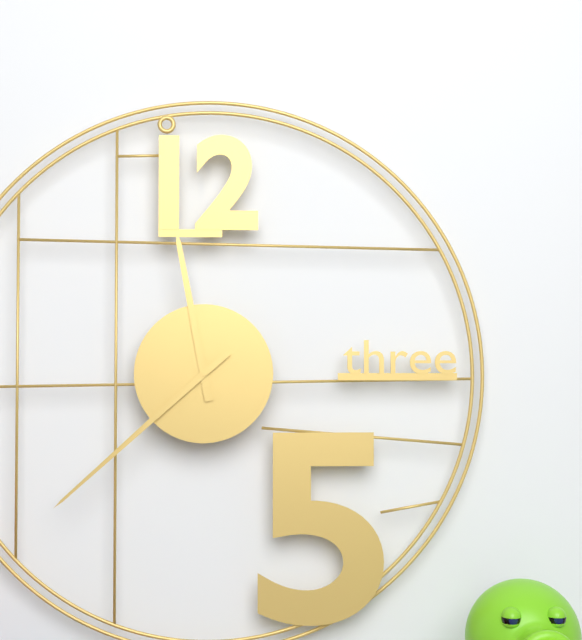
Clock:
11:38
